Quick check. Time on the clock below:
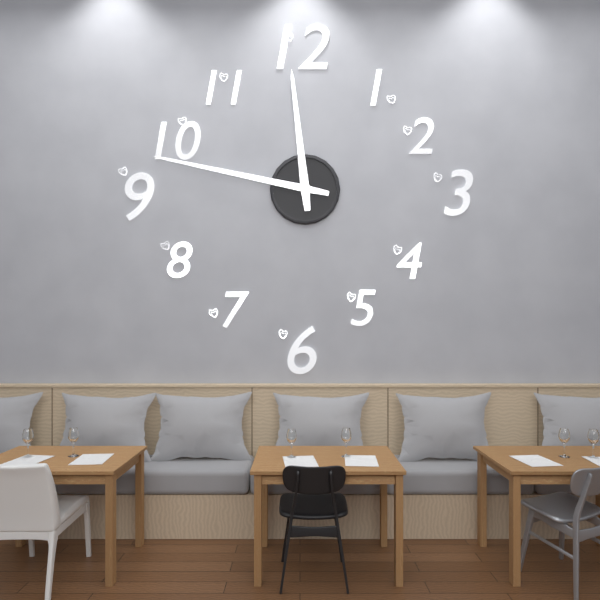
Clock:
11:47
